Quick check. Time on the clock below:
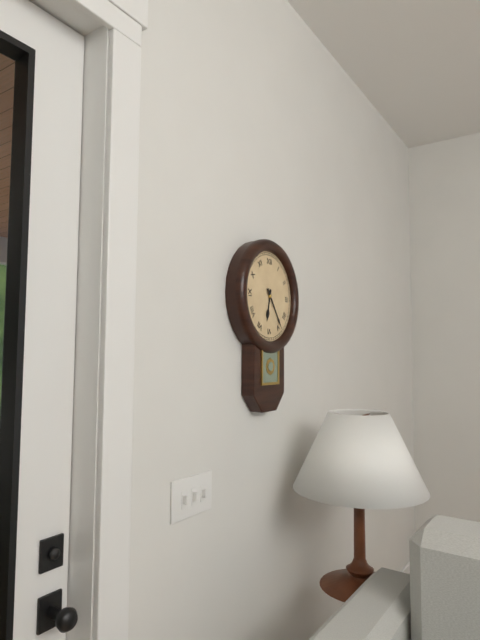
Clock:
6:24
